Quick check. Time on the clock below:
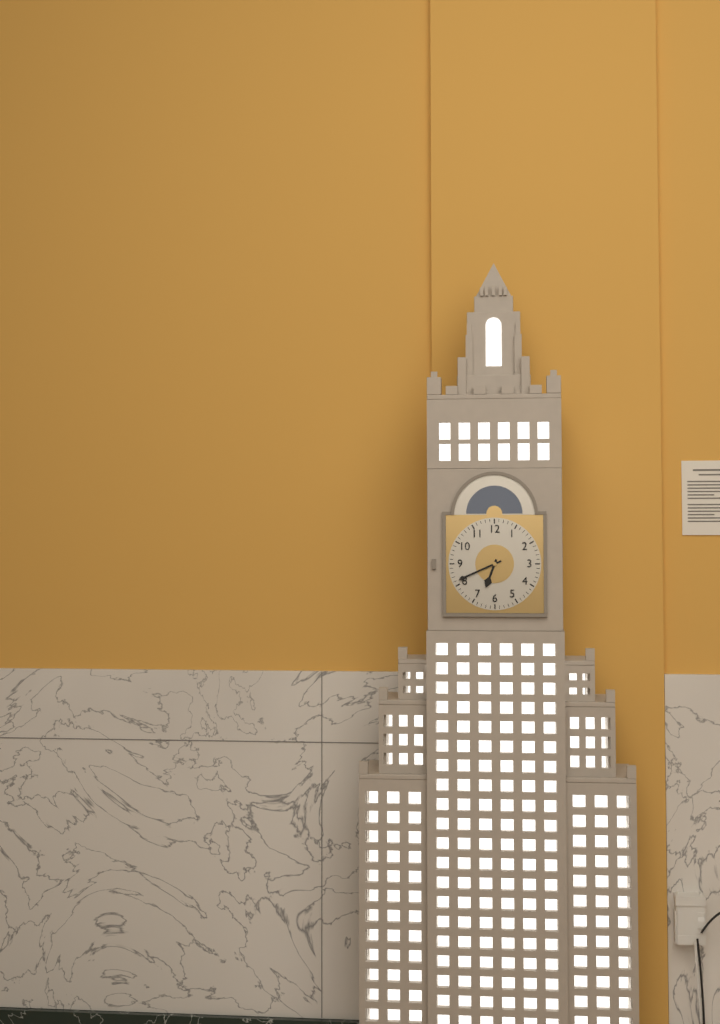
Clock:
6:41
